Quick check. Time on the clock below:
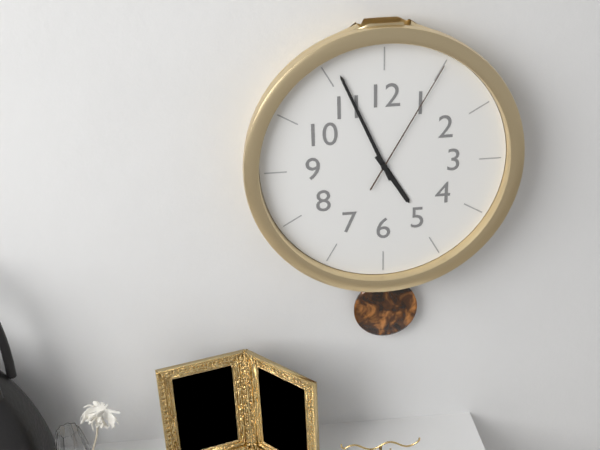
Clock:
4:56:05
